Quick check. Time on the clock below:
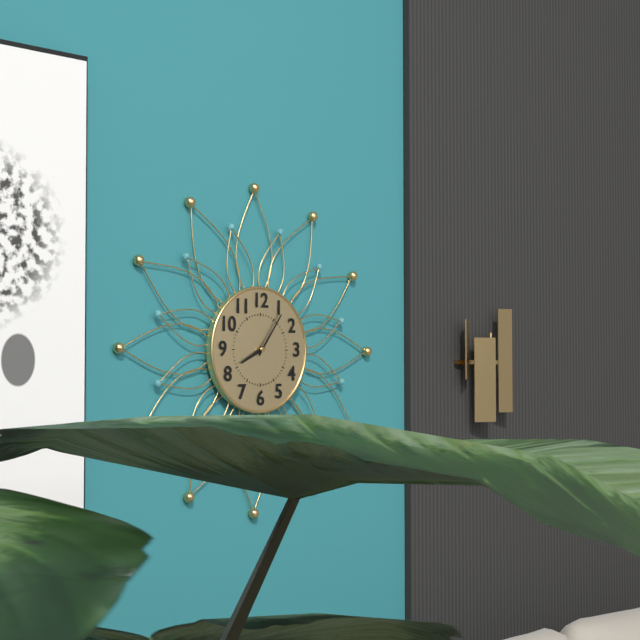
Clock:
8:06
